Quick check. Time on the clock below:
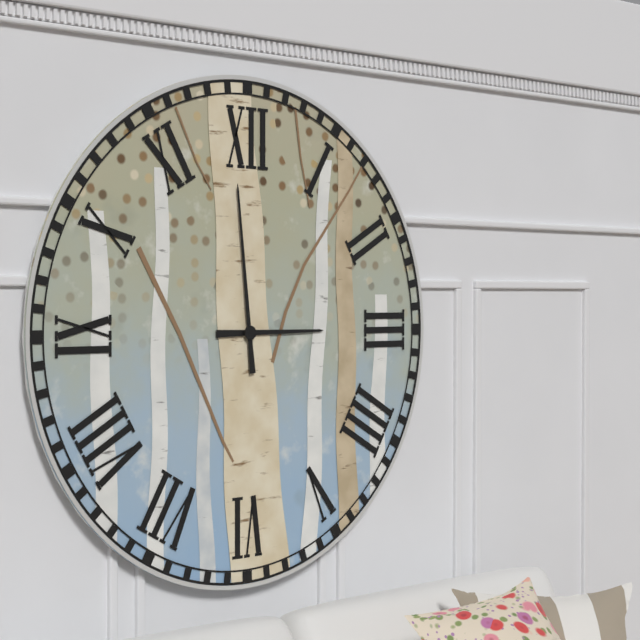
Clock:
2:59
